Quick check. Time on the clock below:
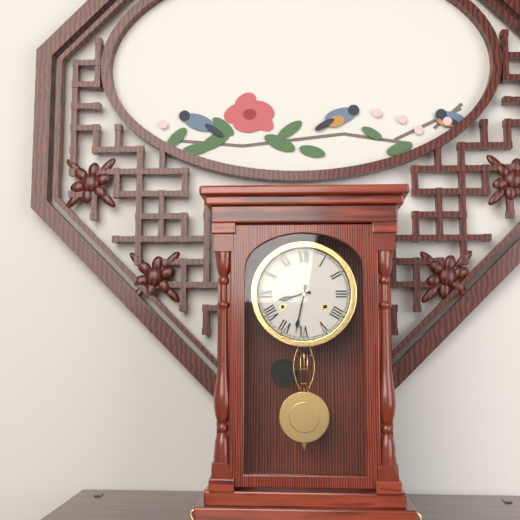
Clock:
8:32
